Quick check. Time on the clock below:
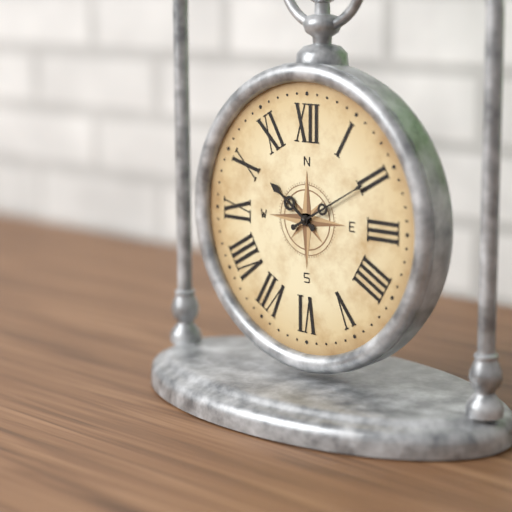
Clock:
10:10
